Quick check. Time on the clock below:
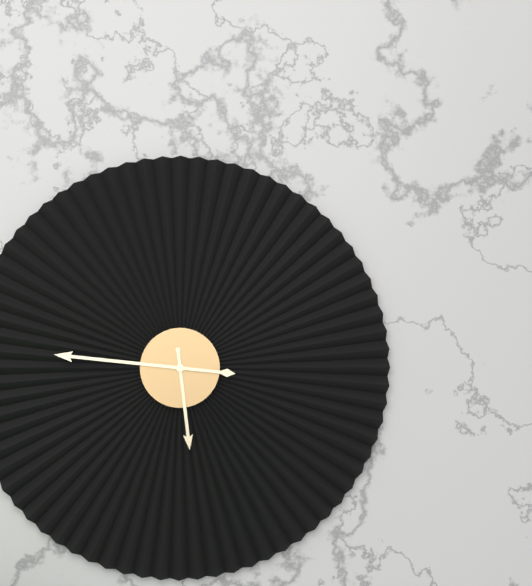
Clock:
5:46
